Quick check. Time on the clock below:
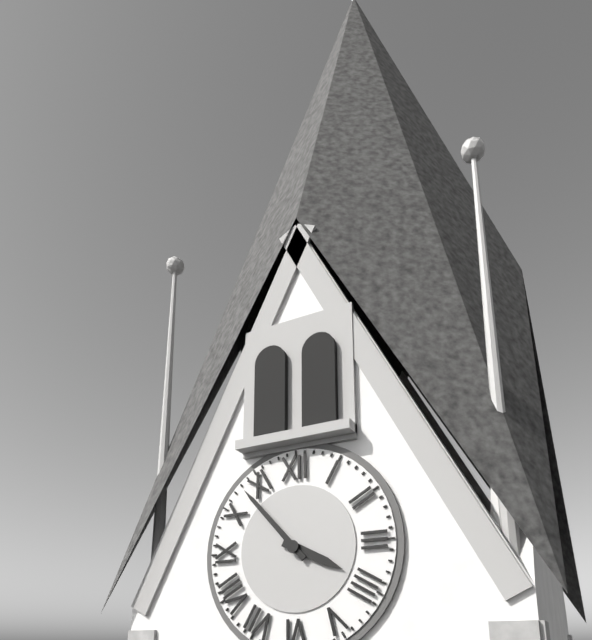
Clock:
3:53
